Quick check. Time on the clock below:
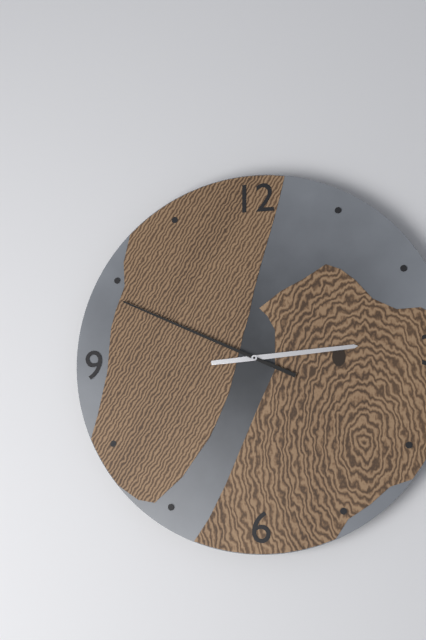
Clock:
2:49
